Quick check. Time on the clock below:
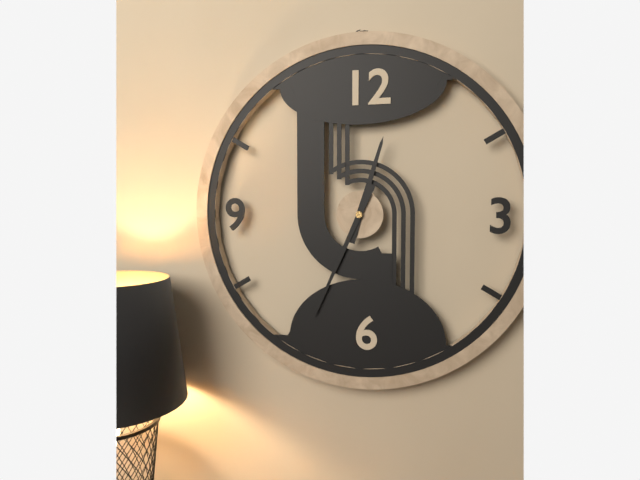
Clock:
12:34
